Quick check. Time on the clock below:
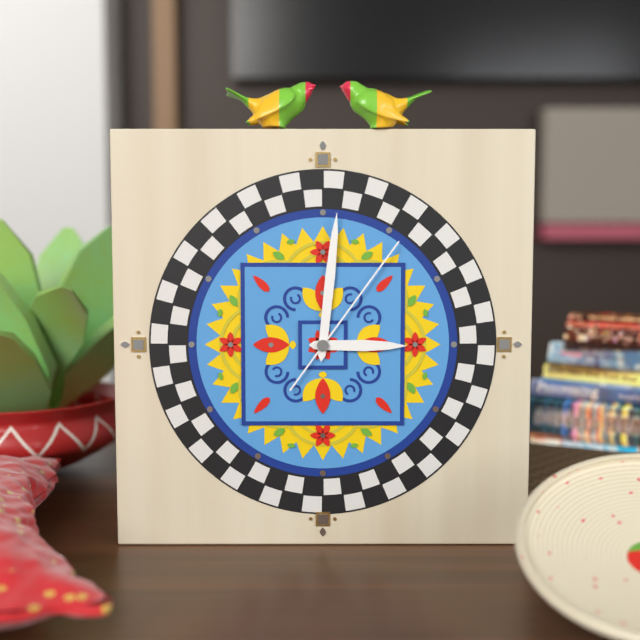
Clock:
3:01:06
